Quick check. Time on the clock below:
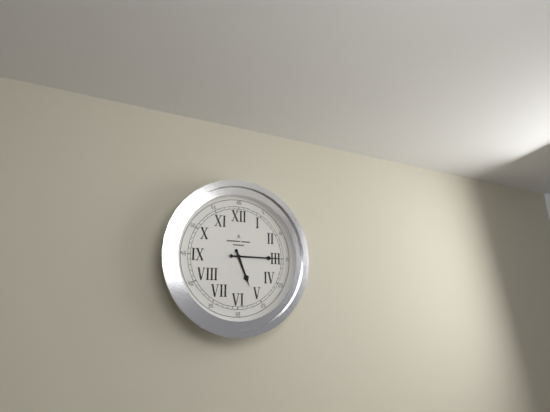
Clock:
5:15
